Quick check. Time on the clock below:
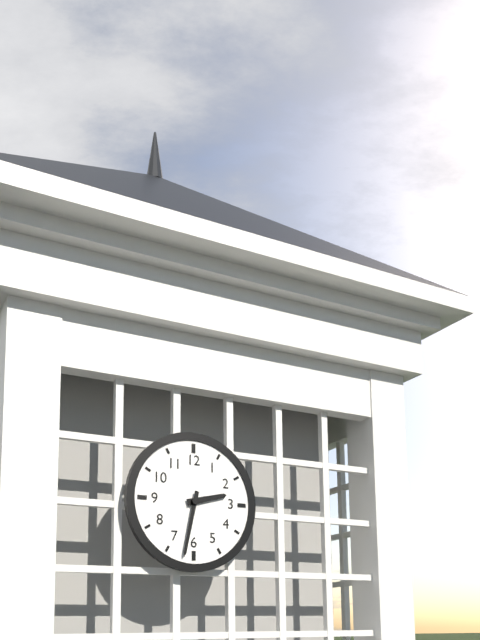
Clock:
2:32
